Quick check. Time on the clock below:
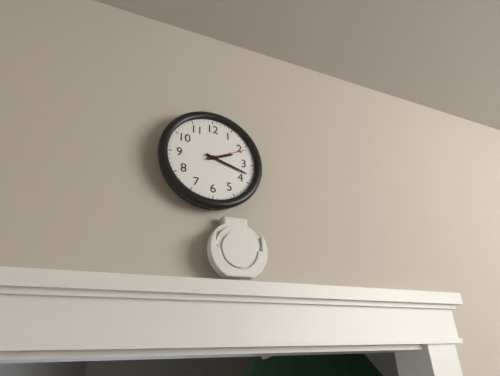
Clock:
2:18
